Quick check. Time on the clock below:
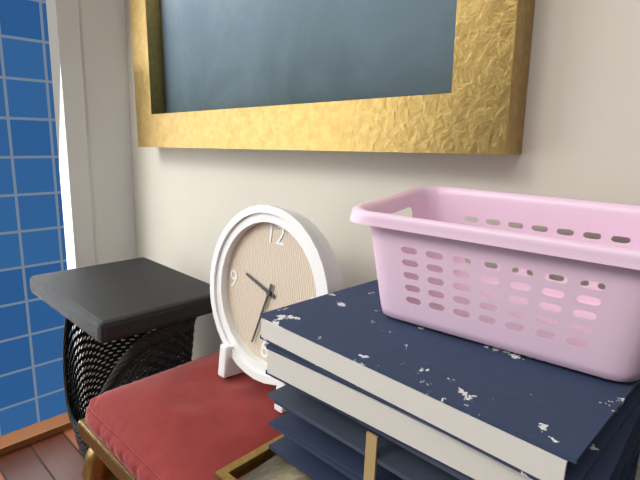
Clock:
9:33
